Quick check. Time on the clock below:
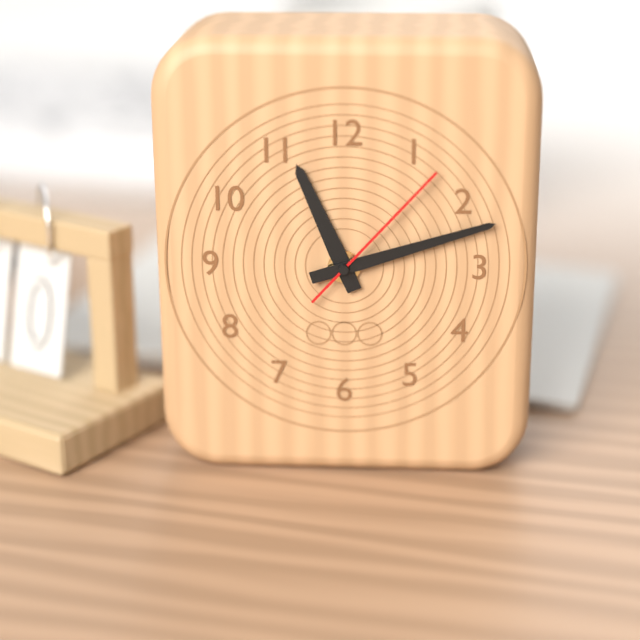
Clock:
11:12:07
